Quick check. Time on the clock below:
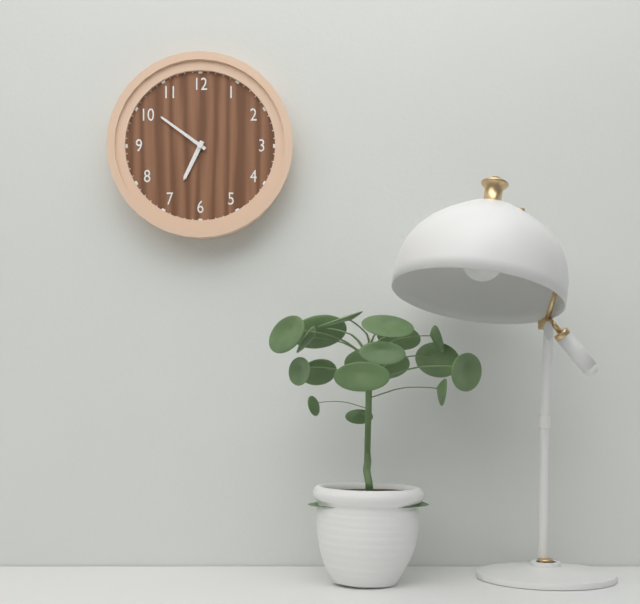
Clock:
6:51
